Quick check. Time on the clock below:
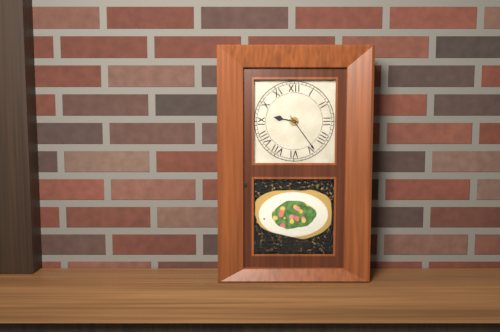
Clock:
9:24
